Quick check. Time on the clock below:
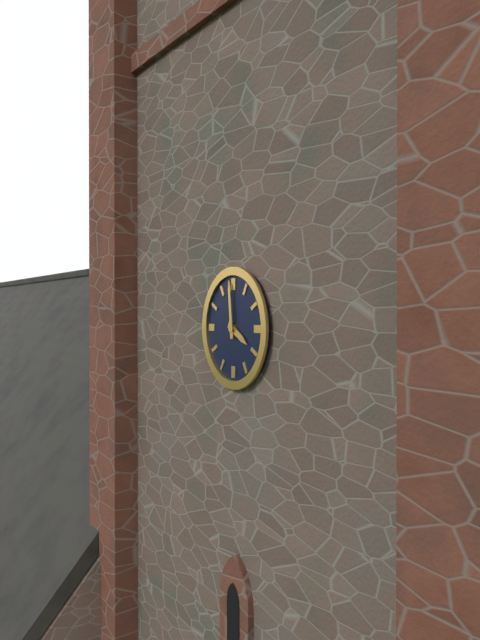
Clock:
3:59
